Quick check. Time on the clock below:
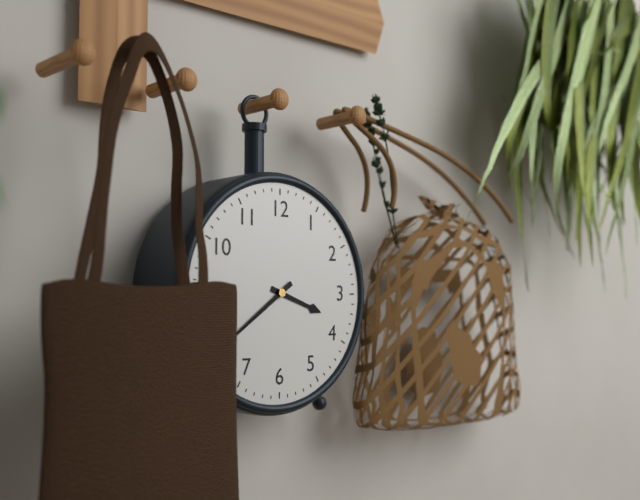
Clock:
3:39
